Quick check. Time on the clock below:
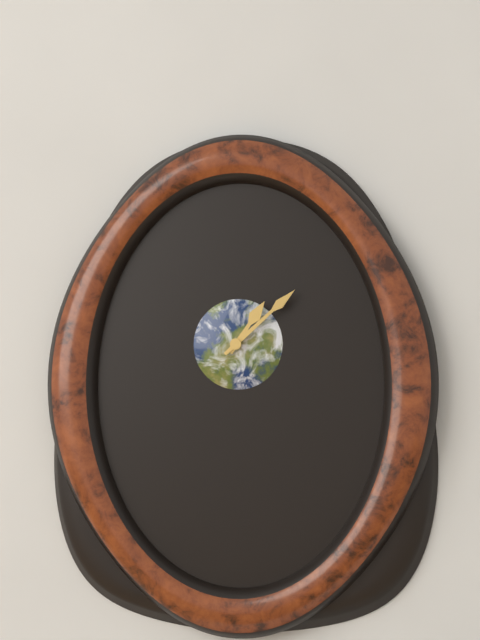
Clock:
1:08
